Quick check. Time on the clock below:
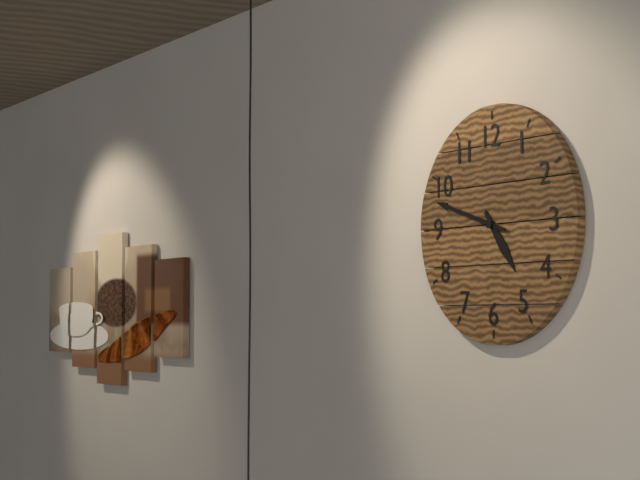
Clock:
4:48
